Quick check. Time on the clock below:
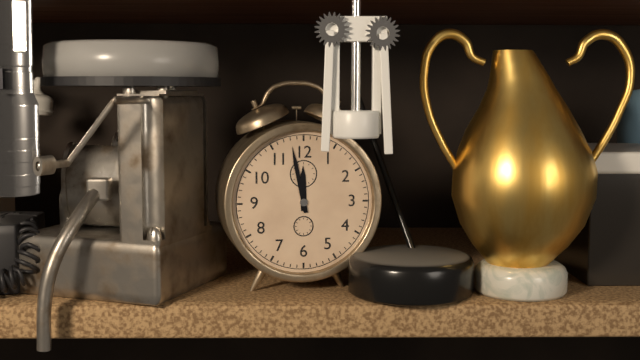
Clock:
11:58
